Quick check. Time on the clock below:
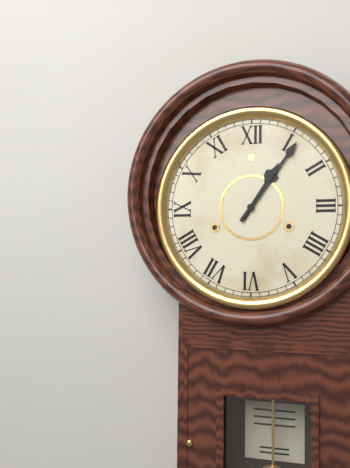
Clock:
1:06
